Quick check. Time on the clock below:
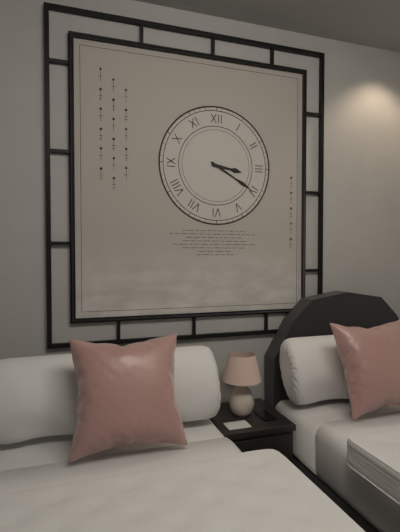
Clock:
3:20
